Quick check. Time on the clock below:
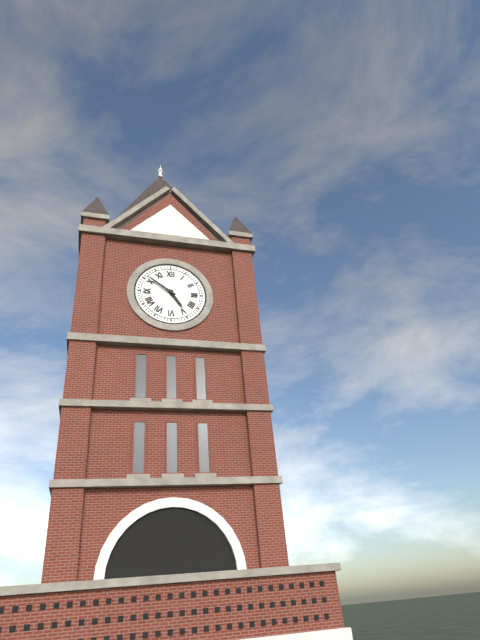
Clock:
4:51
